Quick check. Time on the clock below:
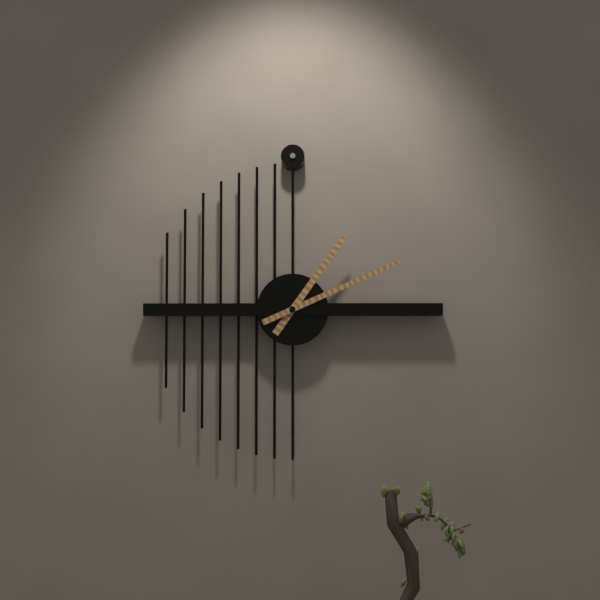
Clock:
1:11
